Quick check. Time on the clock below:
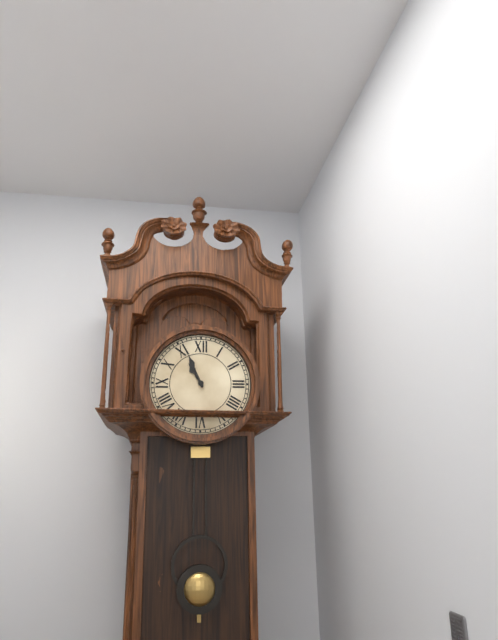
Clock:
10:56
